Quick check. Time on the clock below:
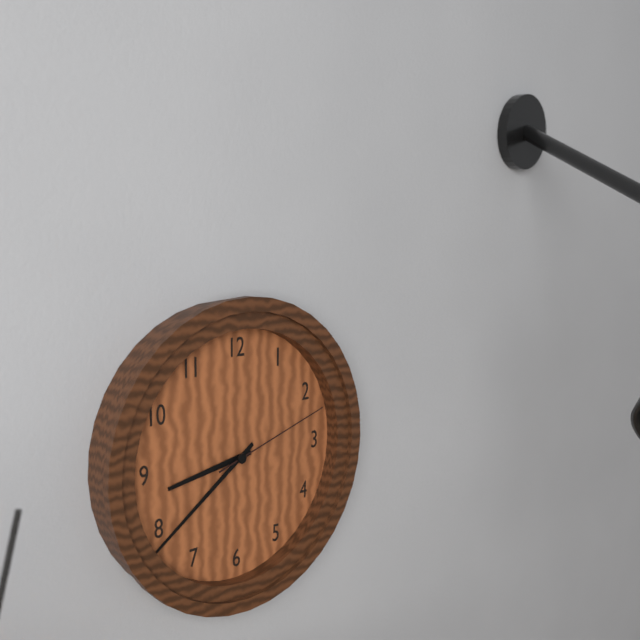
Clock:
8:39:12
